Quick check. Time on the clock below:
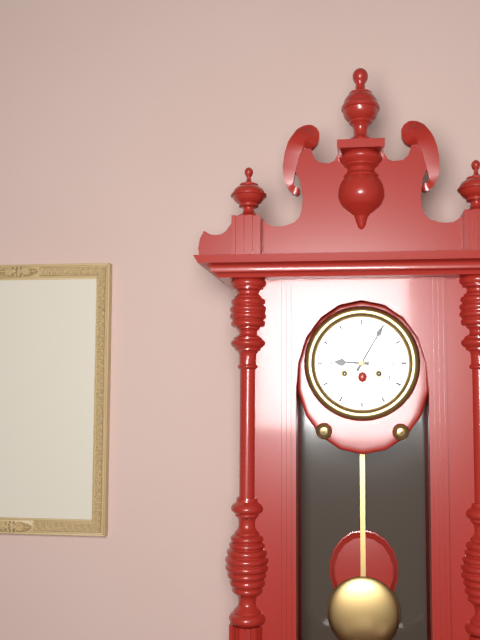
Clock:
9:05
